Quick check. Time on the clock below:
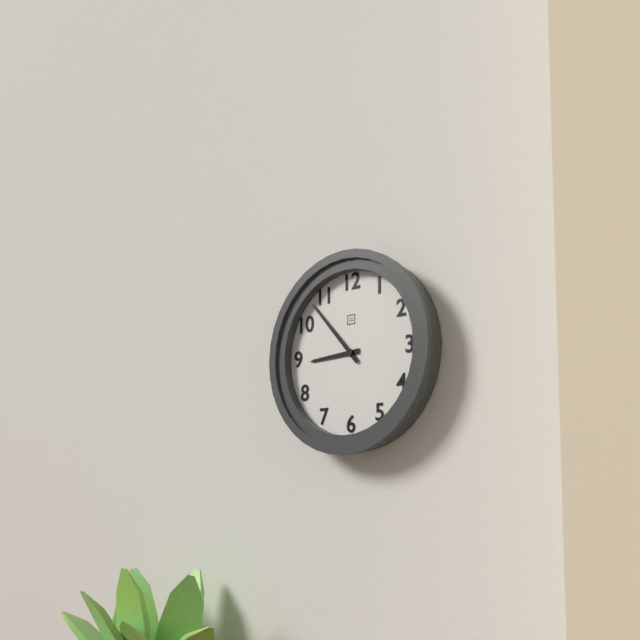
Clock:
8:53
